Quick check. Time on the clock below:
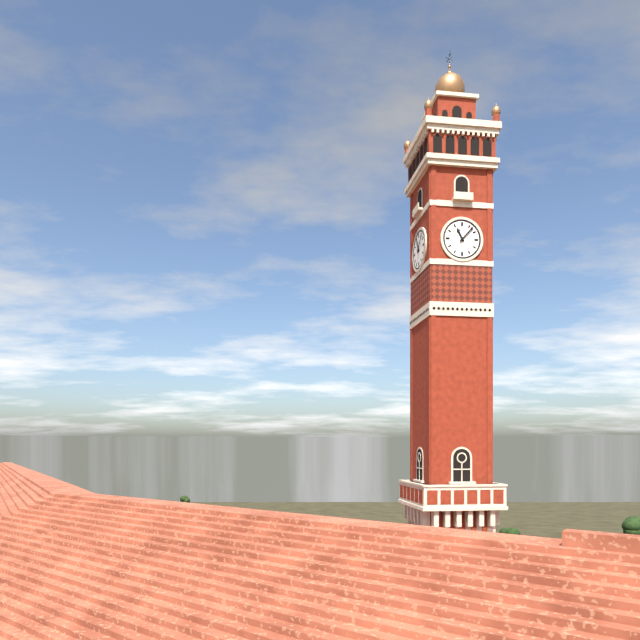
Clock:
11:07
